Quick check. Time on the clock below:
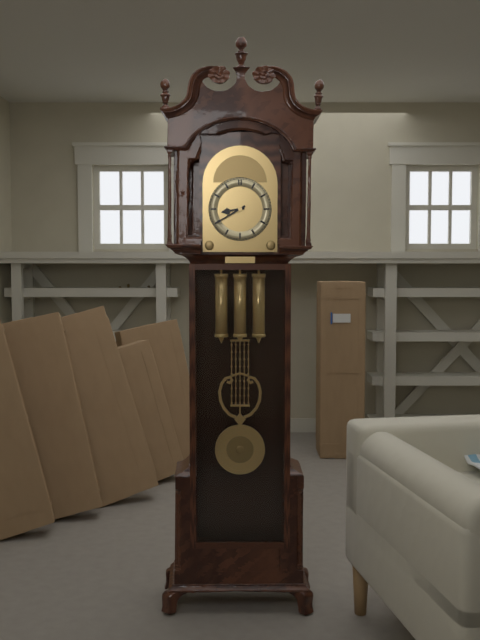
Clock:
8:40
